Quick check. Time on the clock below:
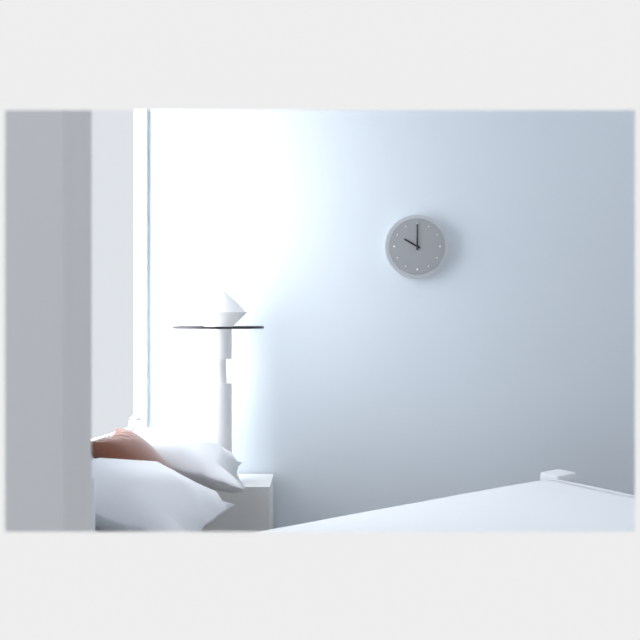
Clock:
10:00
